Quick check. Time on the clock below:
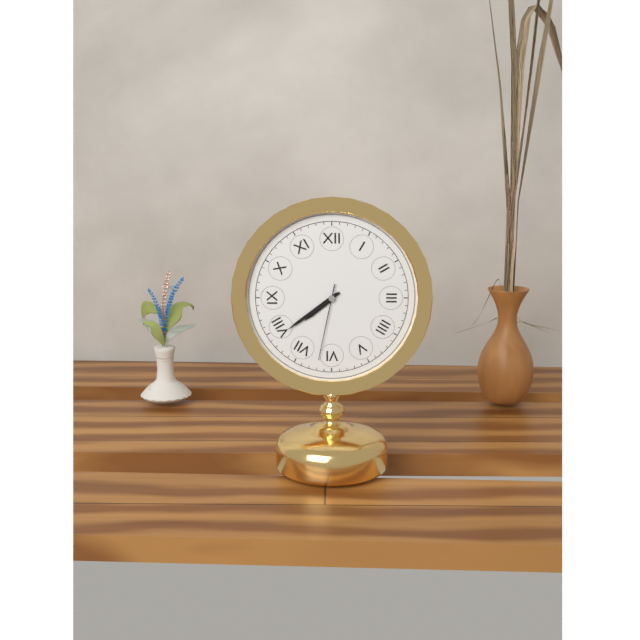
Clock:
7:39:32
